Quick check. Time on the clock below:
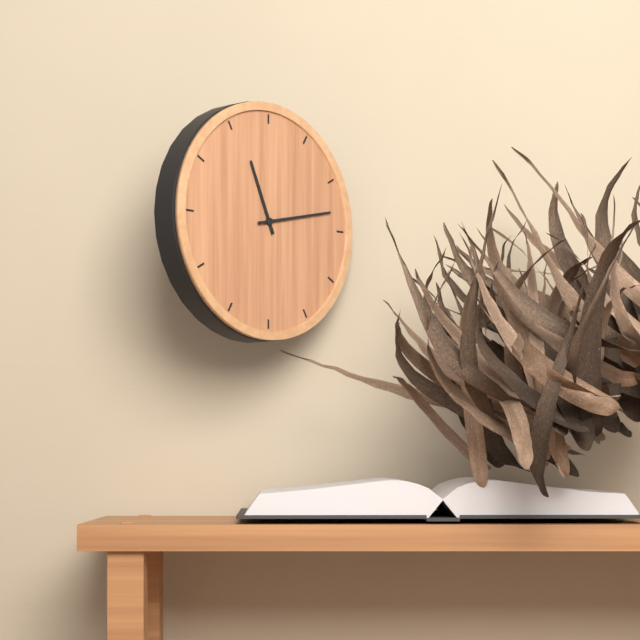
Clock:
11:13
